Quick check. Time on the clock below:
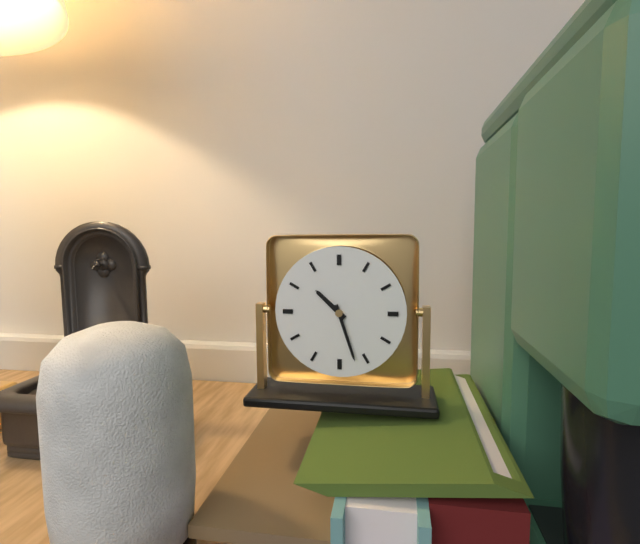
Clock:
10:27
